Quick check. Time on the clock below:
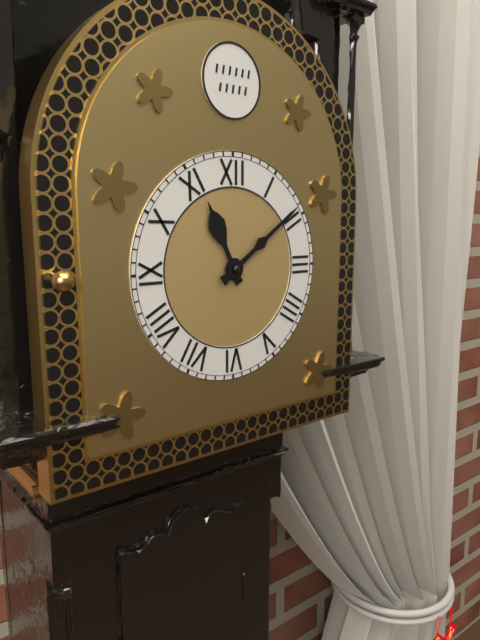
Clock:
11:09
